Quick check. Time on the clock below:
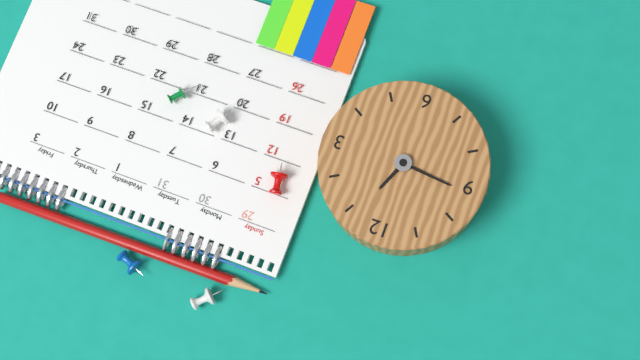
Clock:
12:46
